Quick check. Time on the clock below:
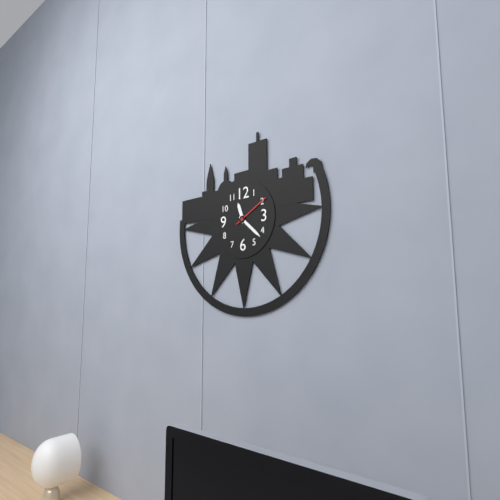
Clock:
11:22
